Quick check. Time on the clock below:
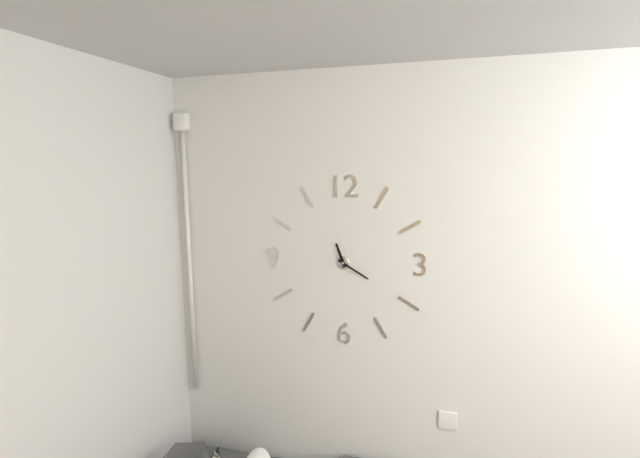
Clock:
11:20
